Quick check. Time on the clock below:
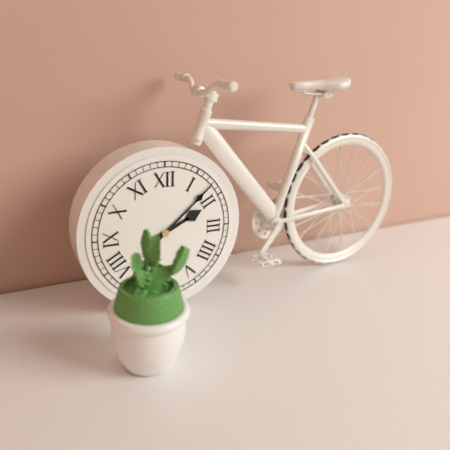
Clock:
2:08
